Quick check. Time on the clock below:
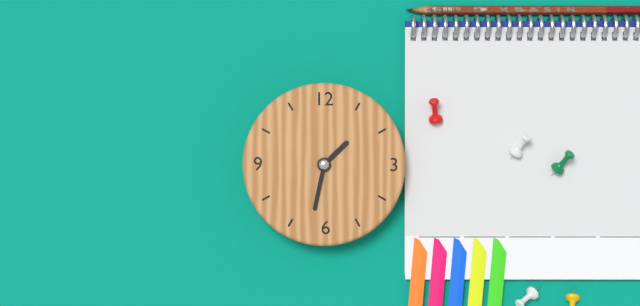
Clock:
1:32
